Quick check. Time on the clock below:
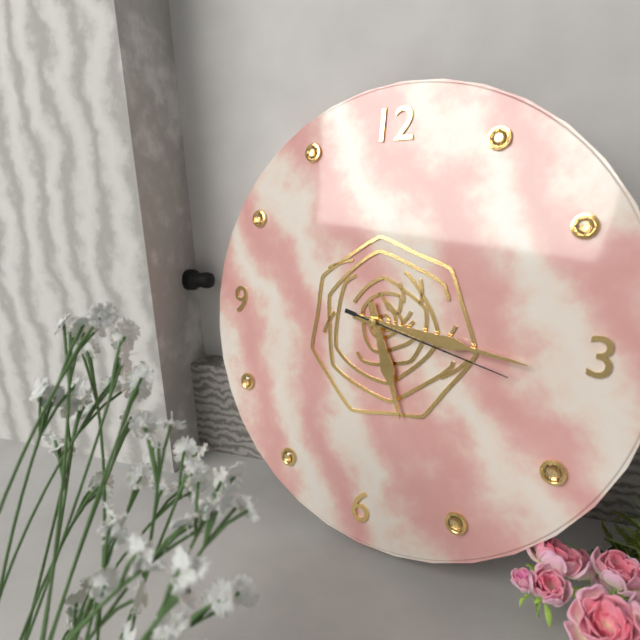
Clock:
5:16:17
